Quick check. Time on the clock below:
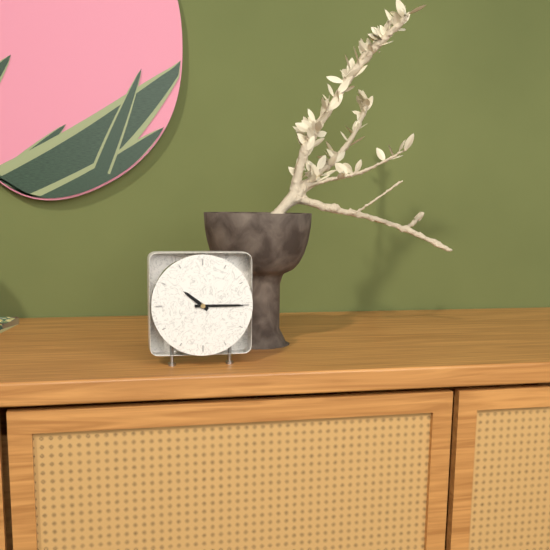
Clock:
10:15
